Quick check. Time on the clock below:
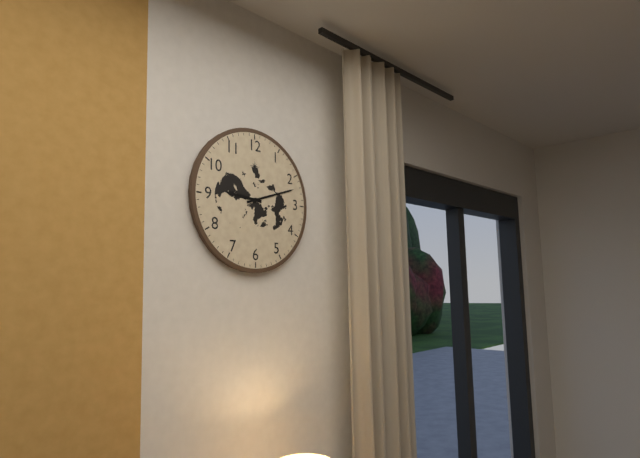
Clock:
9:12
